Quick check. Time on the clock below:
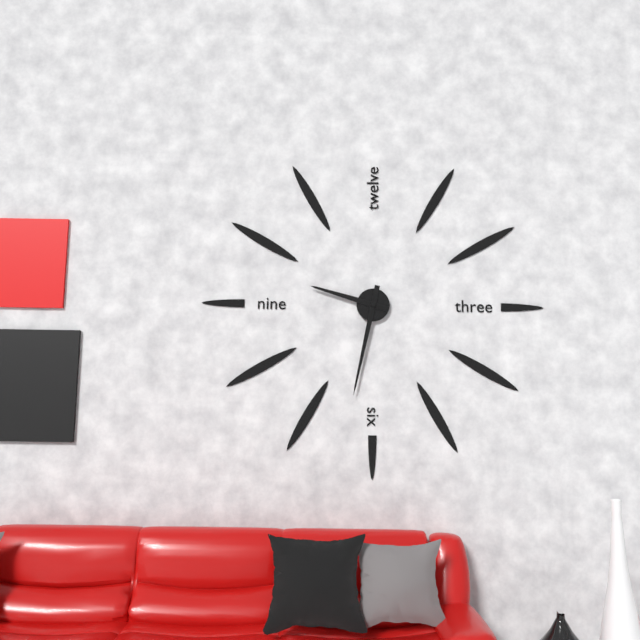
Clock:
9:32
